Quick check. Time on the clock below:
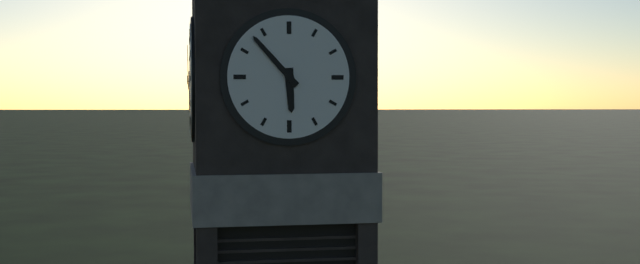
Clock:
5:53
